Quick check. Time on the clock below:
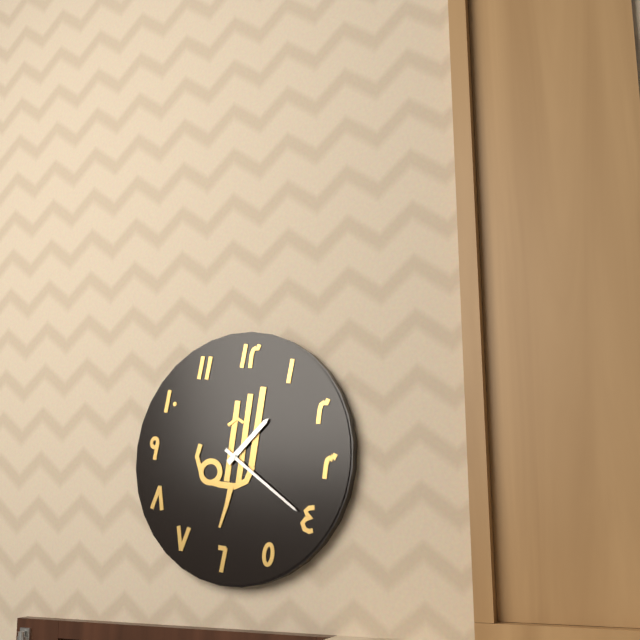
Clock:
1:20
